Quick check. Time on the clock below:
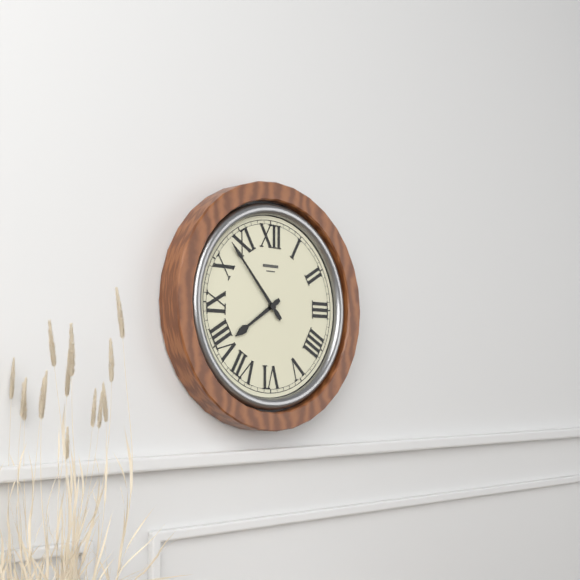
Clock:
7:53
